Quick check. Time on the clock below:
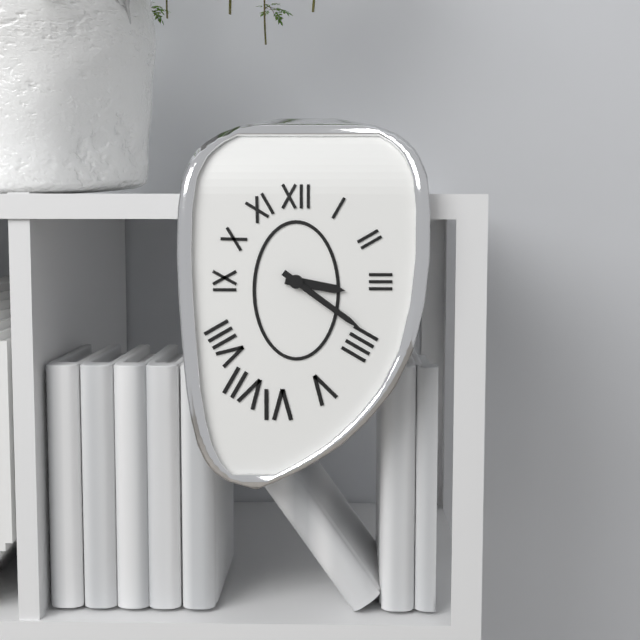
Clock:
3:21
